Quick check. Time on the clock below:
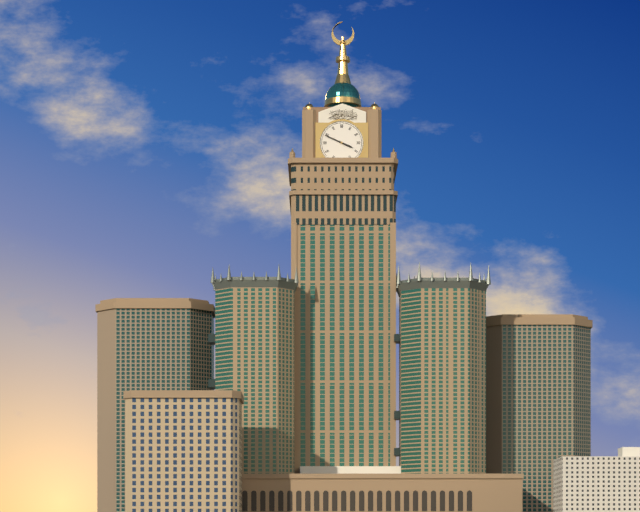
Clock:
3:49
